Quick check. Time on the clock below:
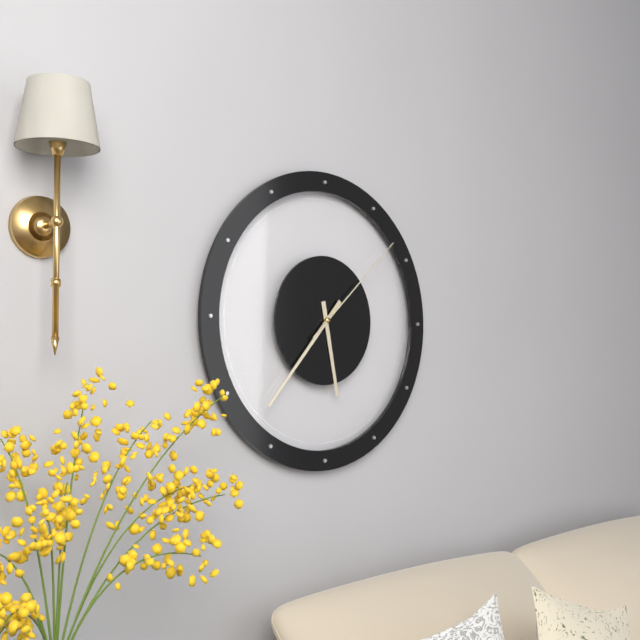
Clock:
5:37:08
